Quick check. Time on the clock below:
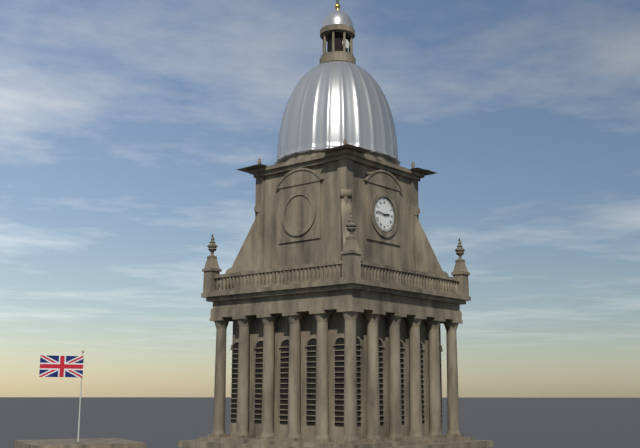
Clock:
2:46
